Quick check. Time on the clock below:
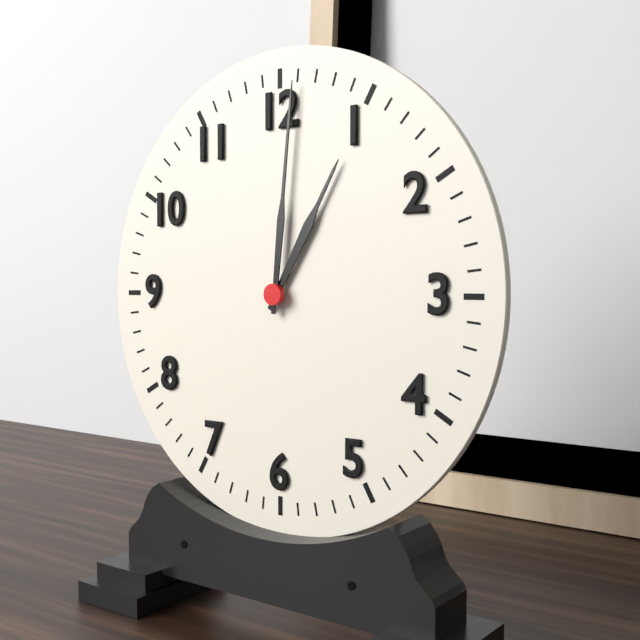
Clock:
1:01
